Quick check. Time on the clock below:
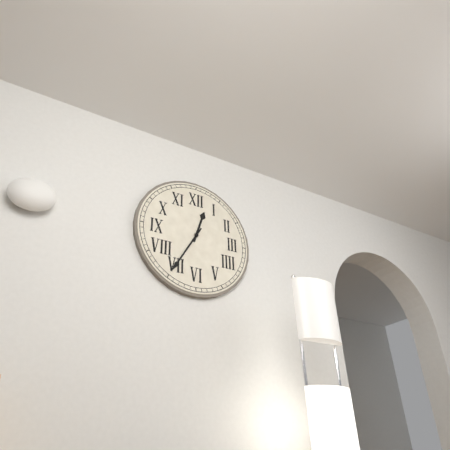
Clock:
12:35
